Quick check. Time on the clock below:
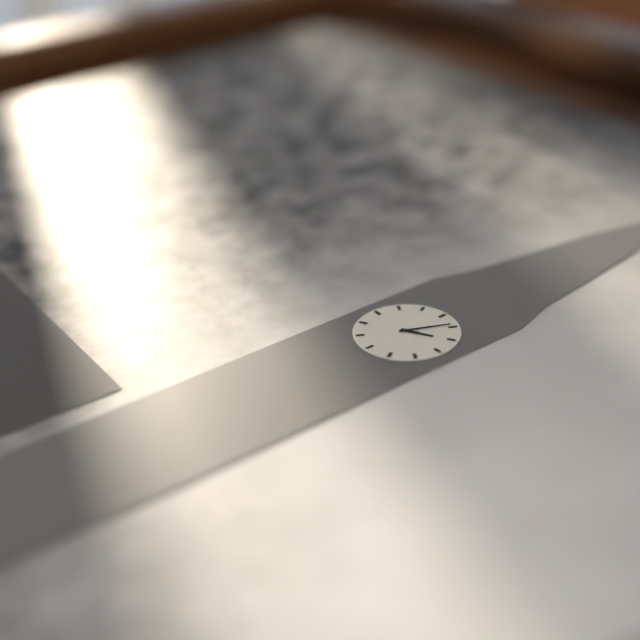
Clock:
2:04
